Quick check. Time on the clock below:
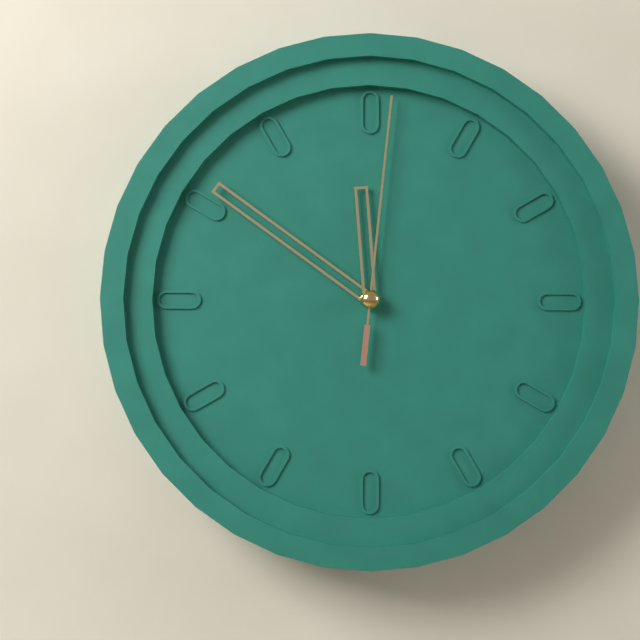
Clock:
11:51:01
